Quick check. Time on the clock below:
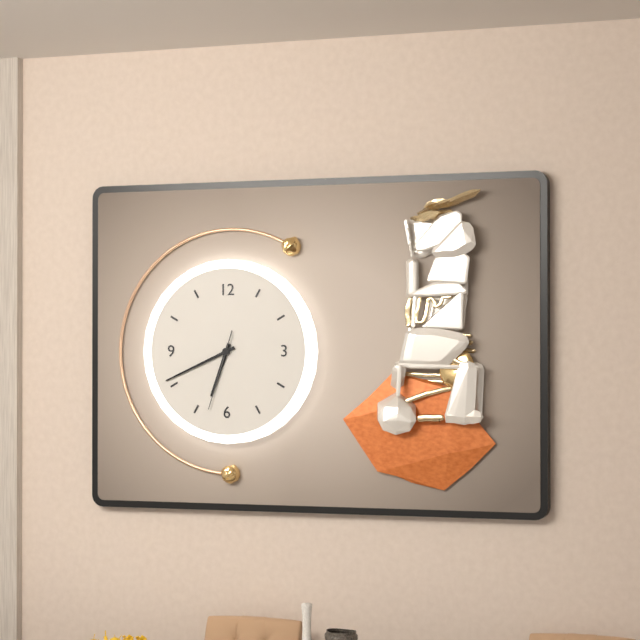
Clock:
6:41:33
